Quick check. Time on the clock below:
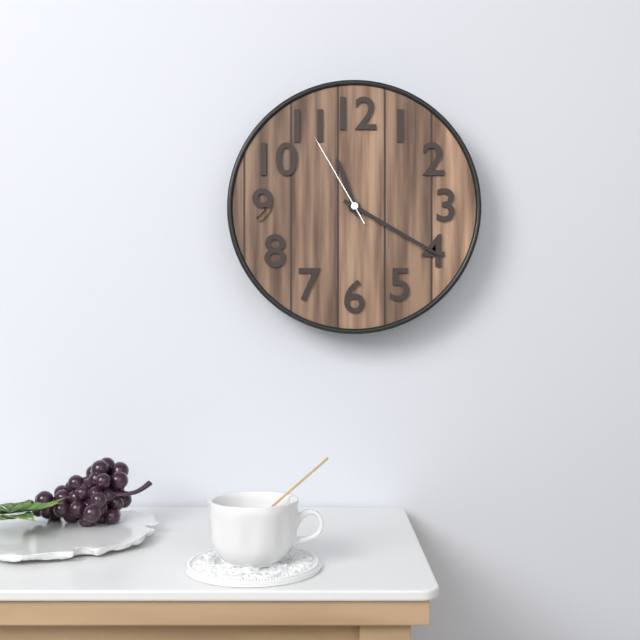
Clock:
11:20:55
